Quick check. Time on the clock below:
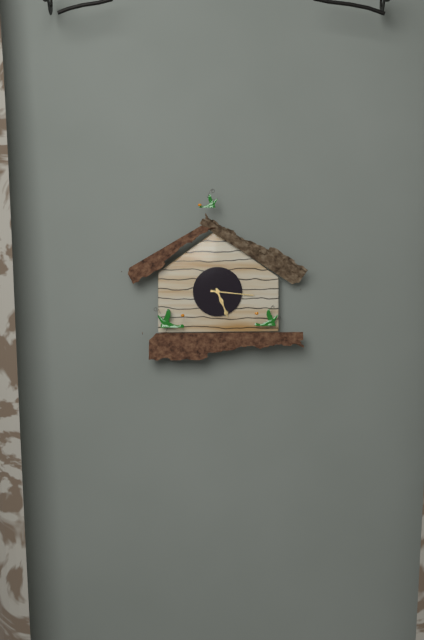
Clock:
5:16
